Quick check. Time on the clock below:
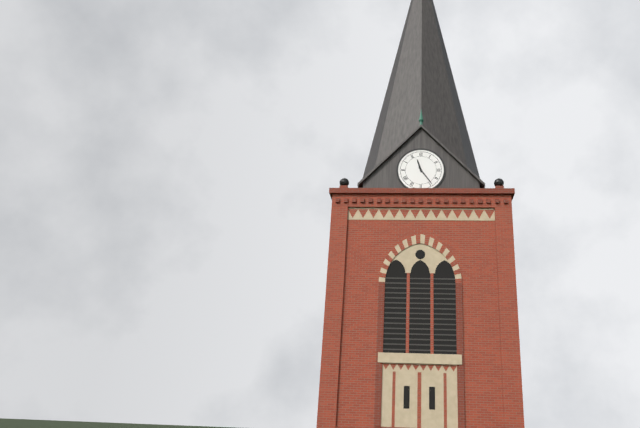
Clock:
11:24
